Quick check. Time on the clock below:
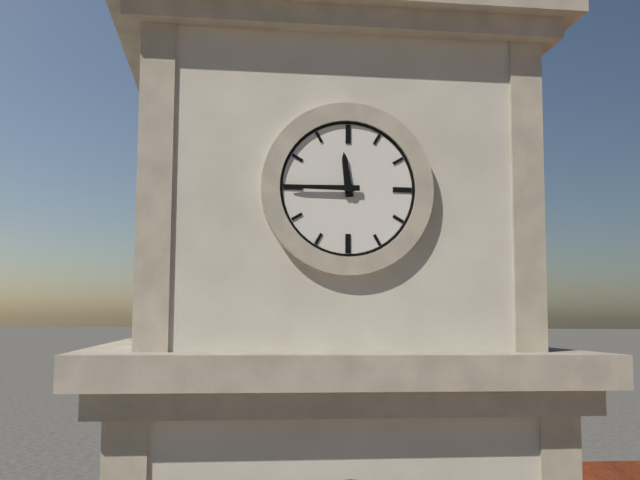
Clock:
11:45
